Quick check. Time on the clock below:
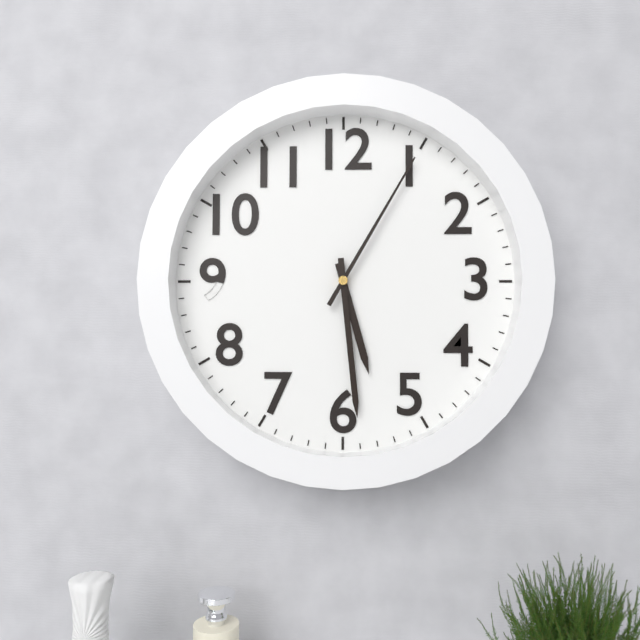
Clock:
5:29:05
